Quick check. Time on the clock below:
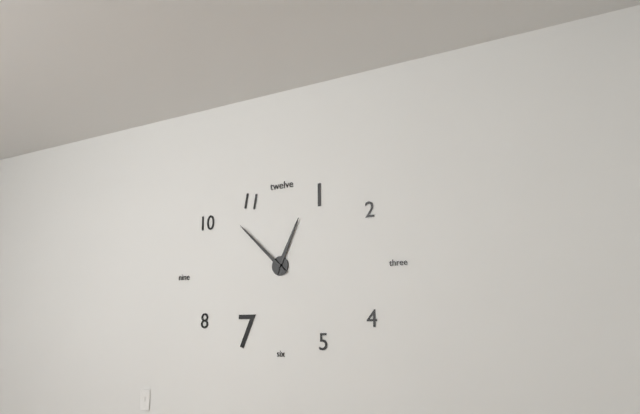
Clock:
12:52
